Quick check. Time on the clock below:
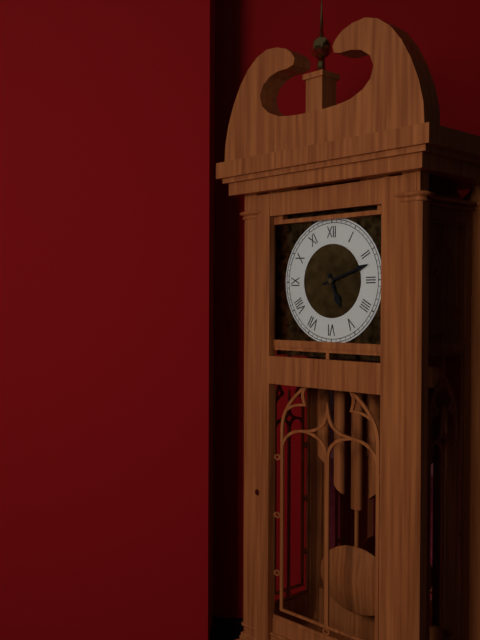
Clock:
5:12
